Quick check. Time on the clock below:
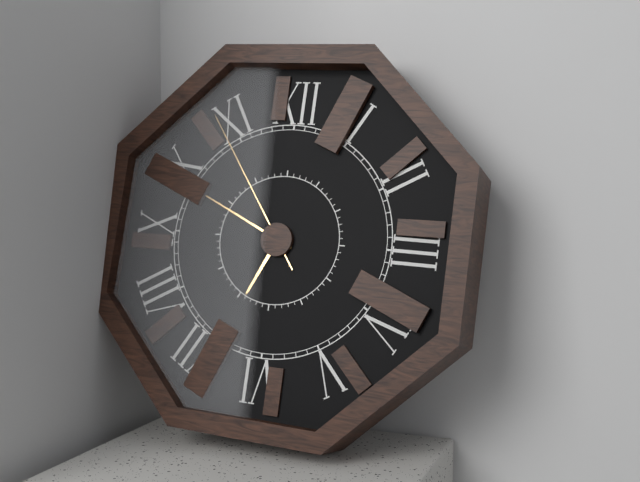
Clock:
6:49:54
